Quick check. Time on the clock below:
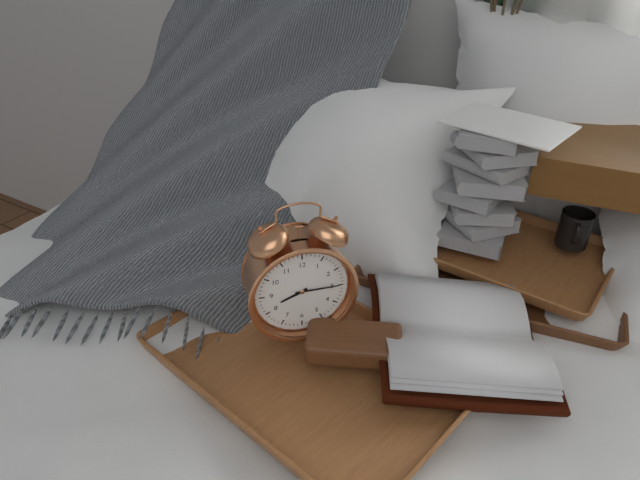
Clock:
8:15
